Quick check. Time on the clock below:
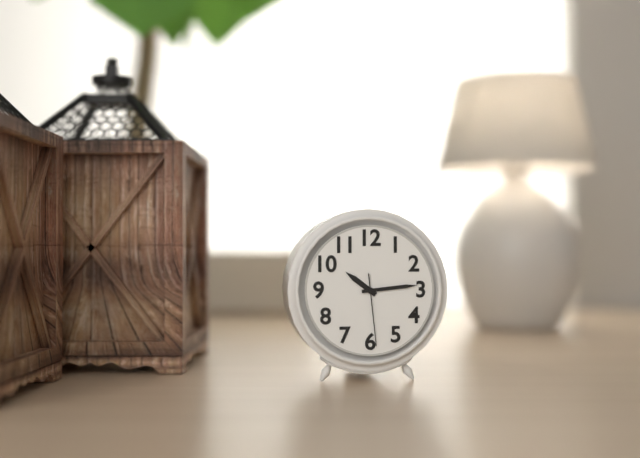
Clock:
10:14:29
